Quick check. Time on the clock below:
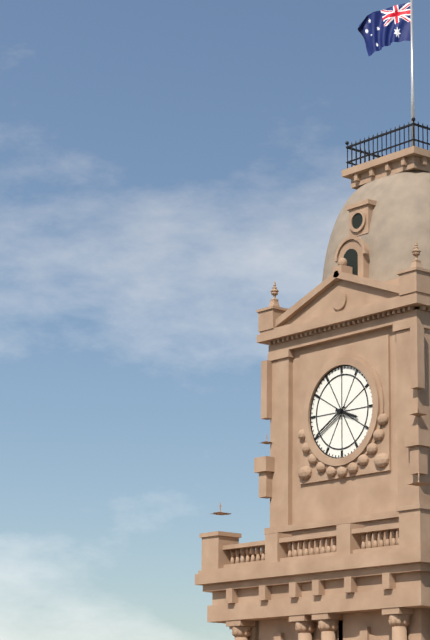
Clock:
3:40
